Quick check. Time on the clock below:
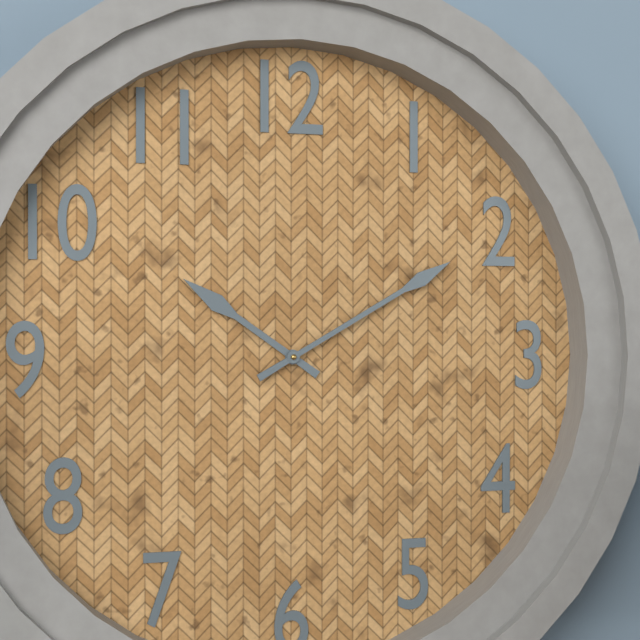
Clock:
10:10
